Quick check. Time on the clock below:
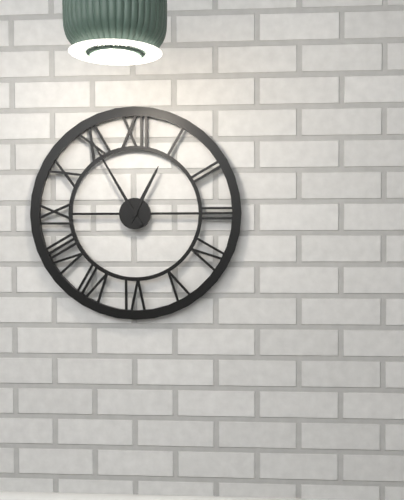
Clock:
12:55
